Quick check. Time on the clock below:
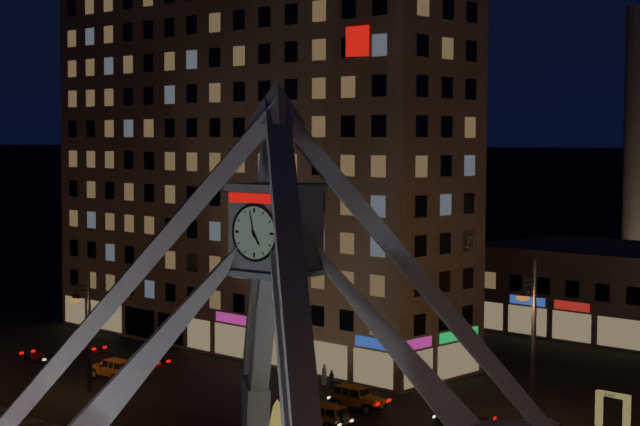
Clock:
4:58
